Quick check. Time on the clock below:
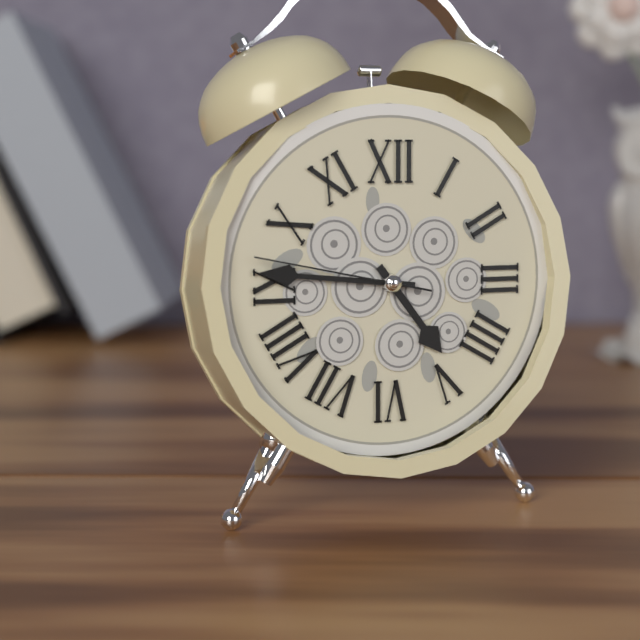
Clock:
4:46:47
